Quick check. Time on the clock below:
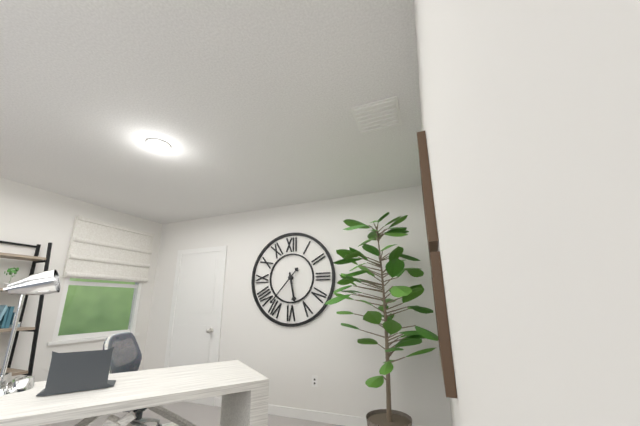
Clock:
5:37
